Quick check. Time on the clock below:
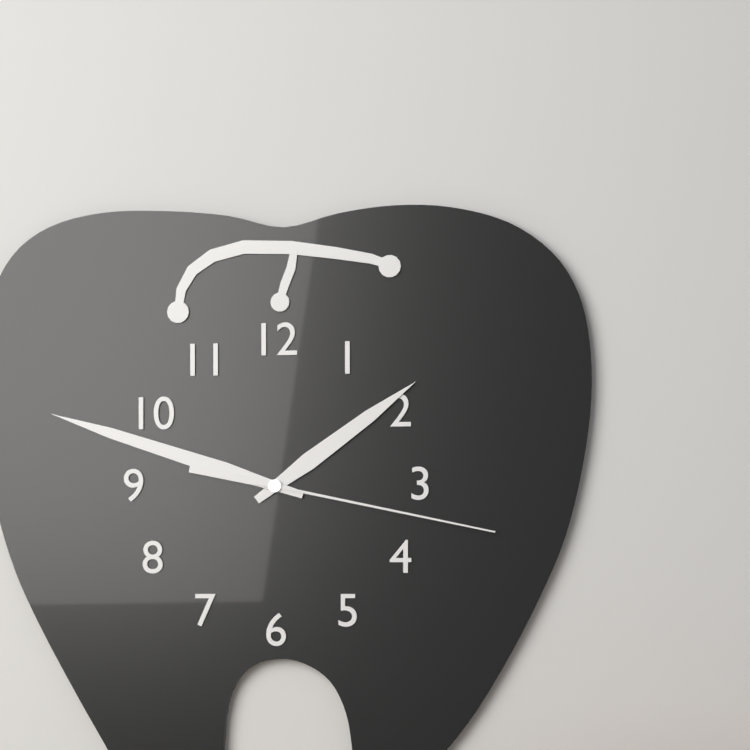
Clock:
1:48:17
